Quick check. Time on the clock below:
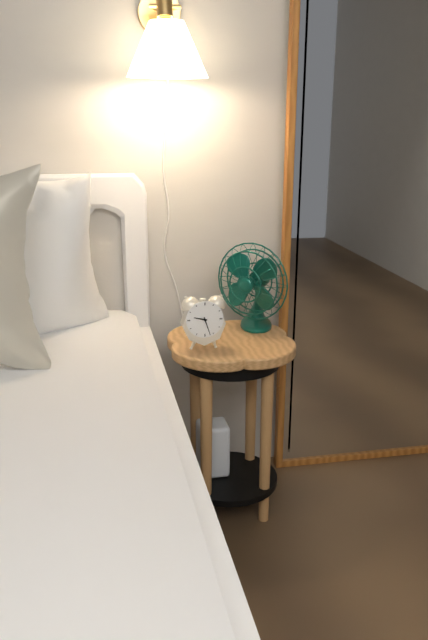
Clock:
9:27
